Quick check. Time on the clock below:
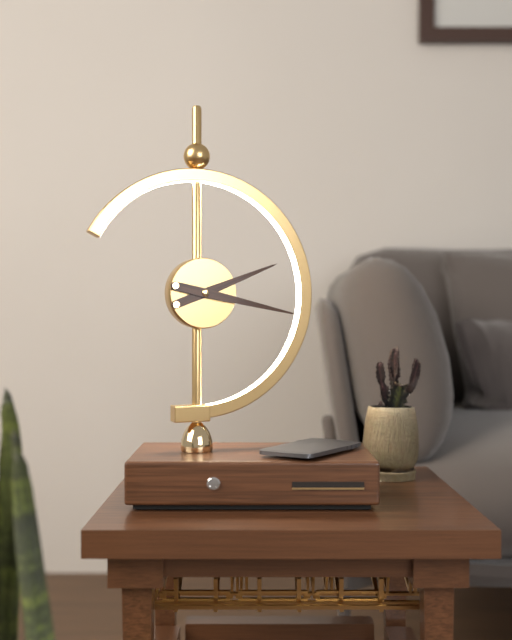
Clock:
2:17
